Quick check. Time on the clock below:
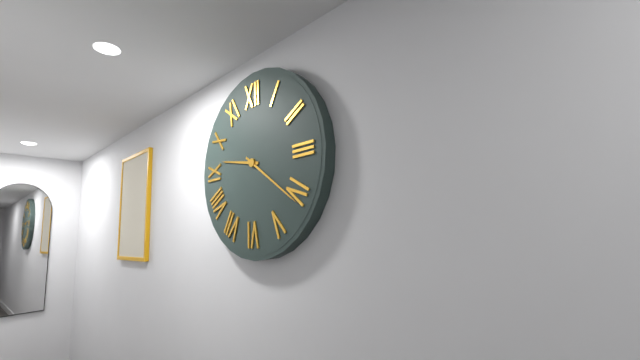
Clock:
9:21
